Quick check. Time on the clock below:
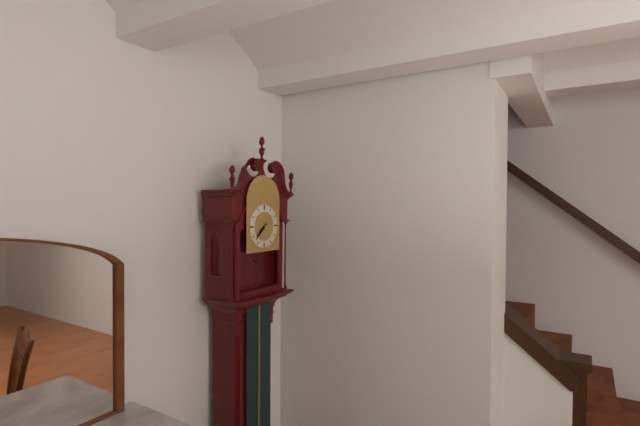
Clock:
7:38
